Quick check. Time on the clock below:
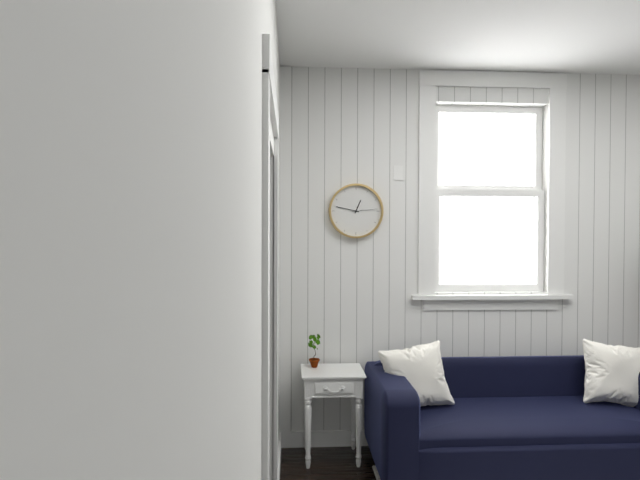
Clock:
12:47
